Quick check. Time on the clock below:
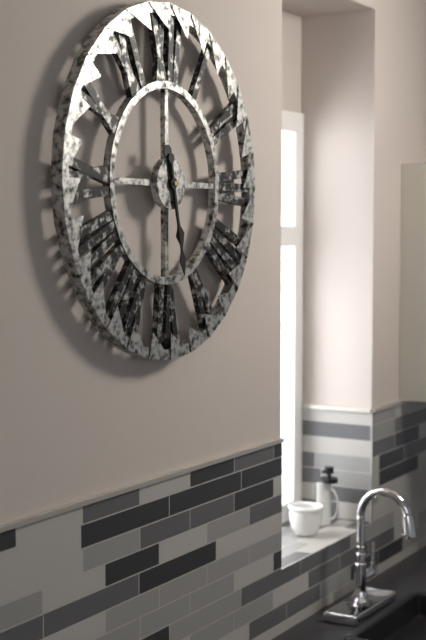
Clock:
5:28
